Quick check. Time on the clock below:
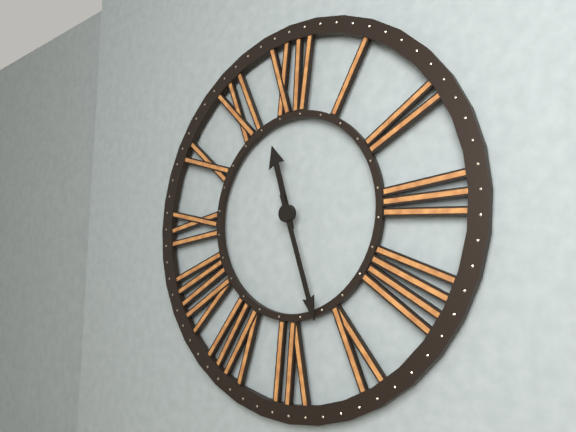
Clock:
11:27
